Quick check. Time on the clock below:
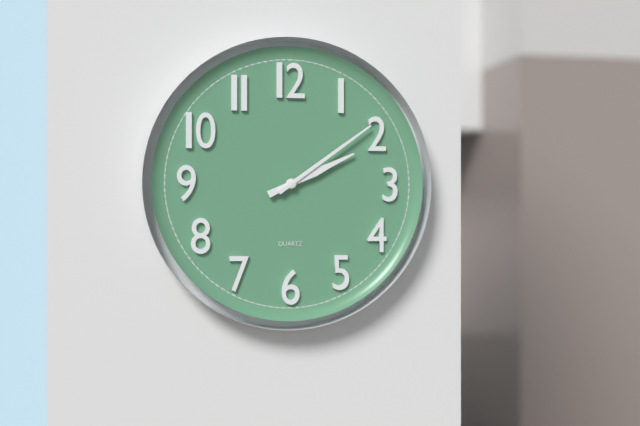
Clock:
2:09
